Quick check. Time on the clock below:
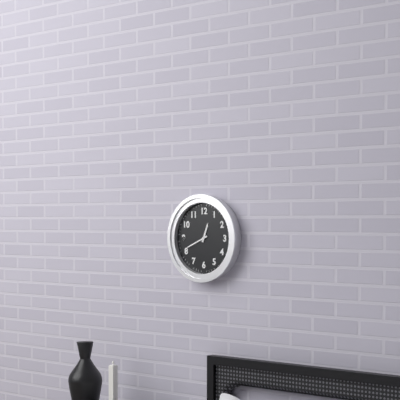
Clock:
12:41
